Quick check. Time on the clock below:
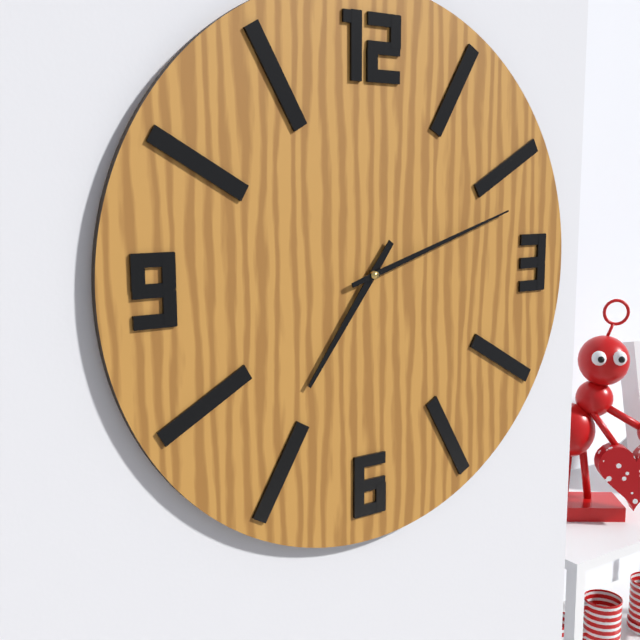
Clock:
7:12
